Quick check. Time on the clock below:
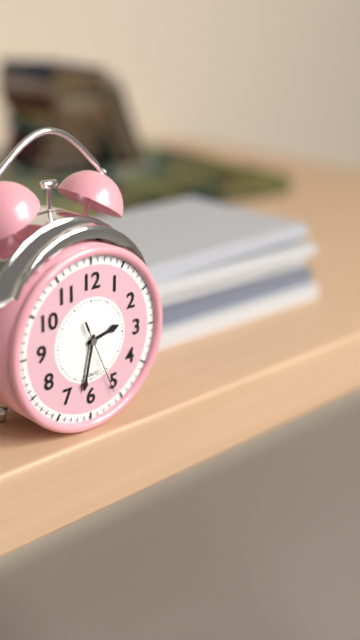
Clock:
2:32:26
